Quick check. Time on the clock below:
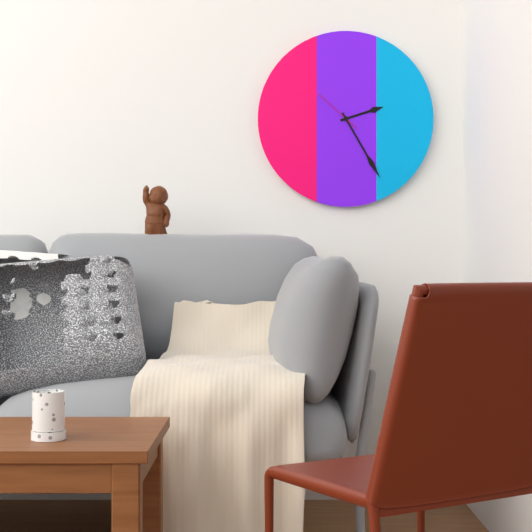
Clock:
2:25
